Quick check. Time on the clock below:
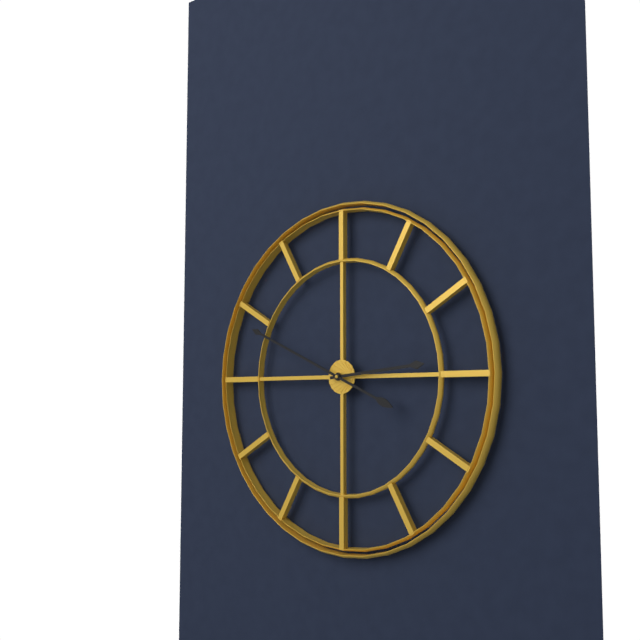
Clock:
2:49
